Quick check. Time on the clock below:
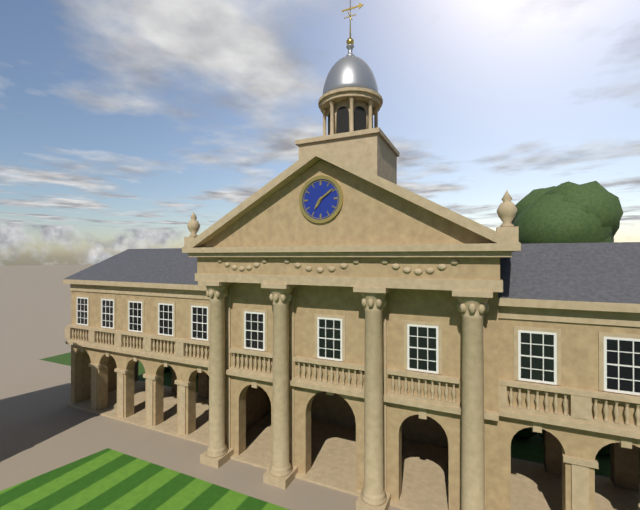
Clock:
7:09
